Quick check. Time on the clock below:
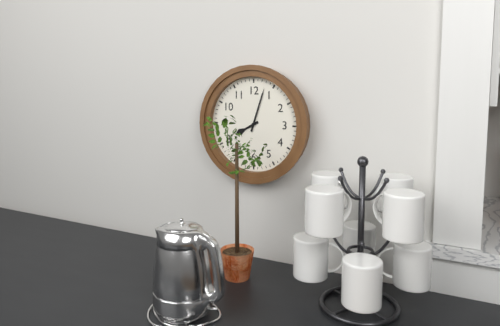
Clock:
8:03
